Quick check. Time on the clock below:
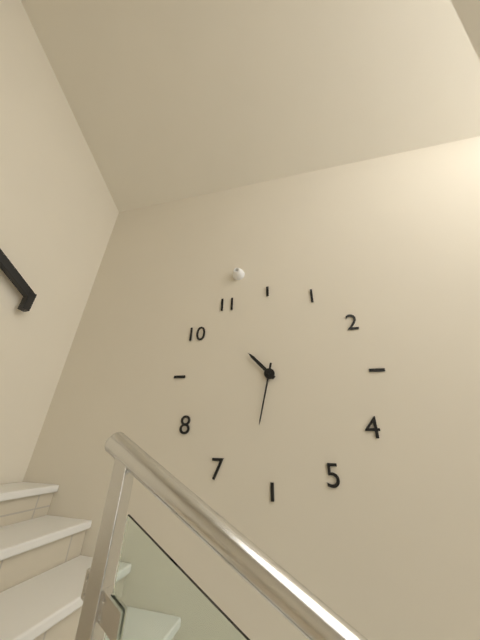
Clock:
10:32
